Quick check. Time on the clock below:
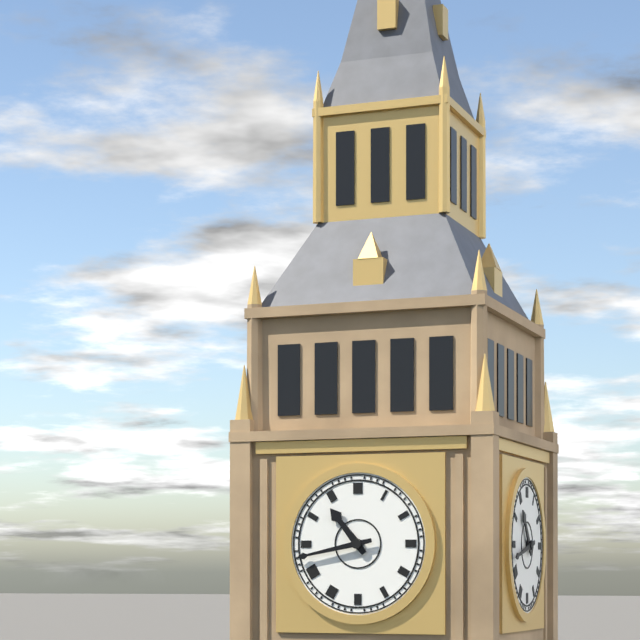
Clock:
10:43
